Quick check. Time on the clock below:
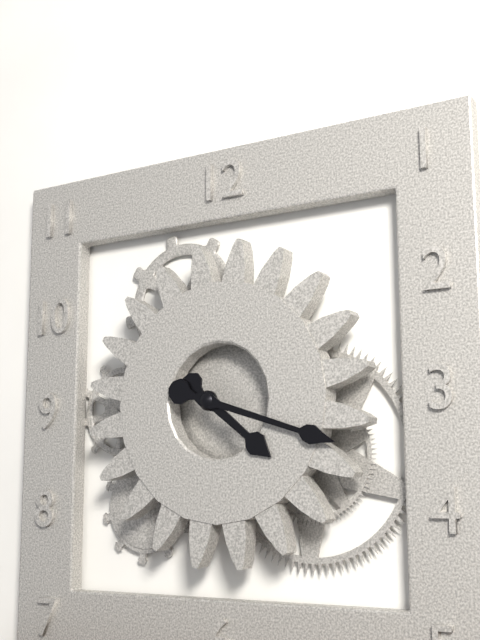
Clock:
4:18
